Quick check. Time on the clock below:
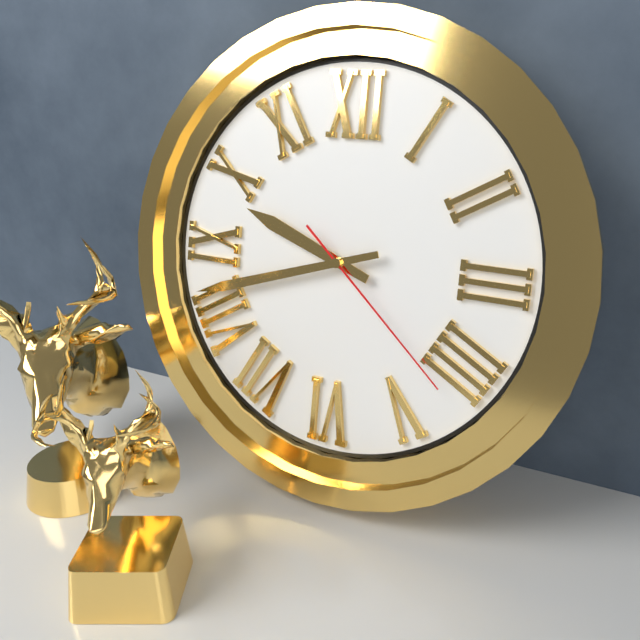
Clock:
9:42:22
